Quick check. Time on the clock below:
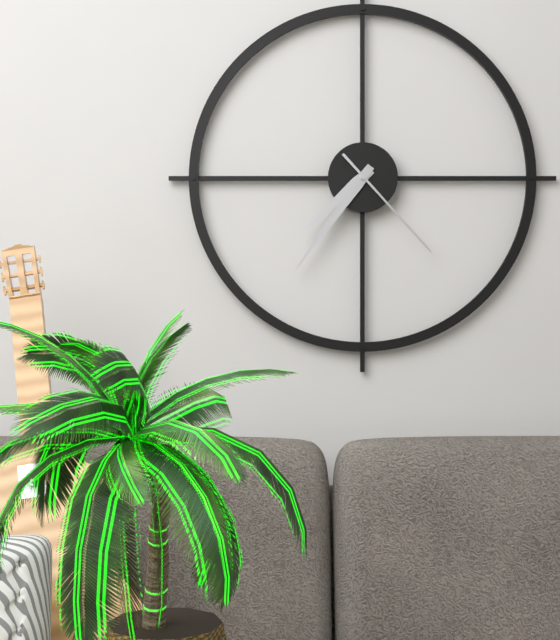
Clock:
7:36:23
